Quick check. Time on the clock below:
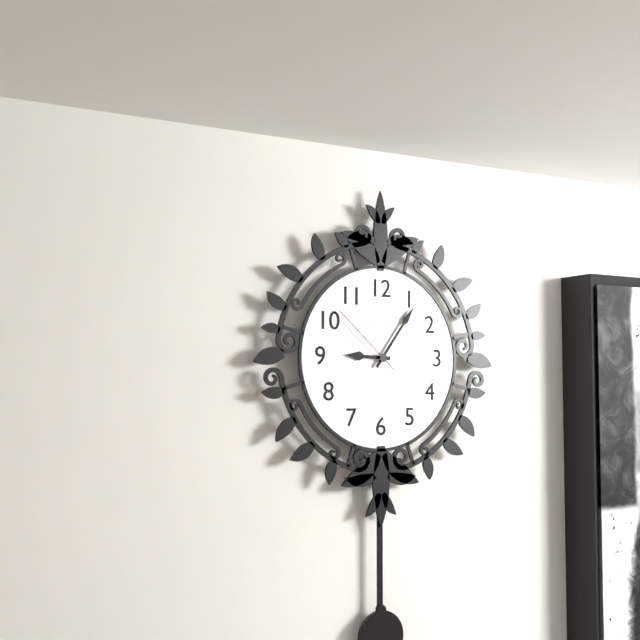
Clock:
9:06:52
